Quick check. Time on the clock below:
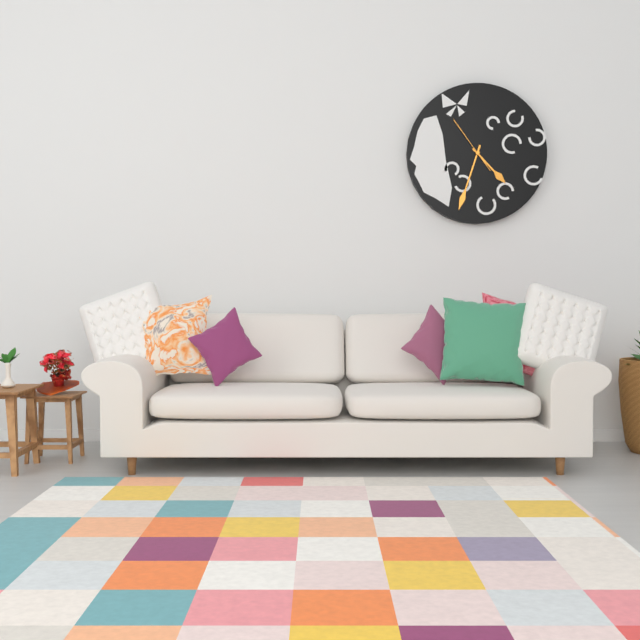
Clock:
4:33:54
